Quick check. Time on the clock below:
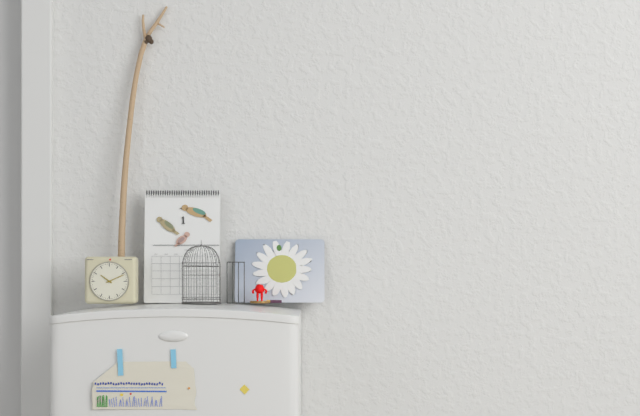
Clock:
10:11
